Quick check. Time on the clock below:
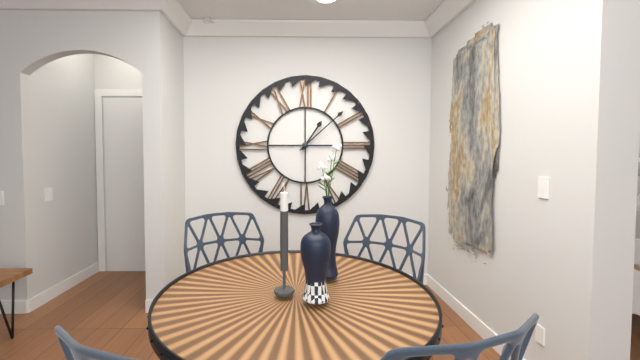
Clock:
1:08
